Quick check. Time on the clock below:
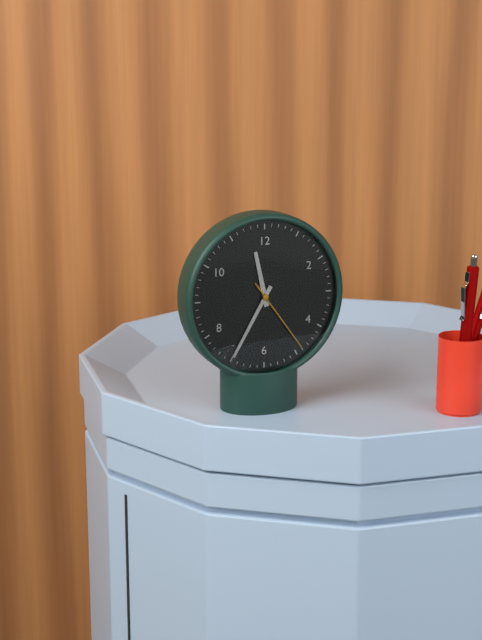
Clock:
11:35:24
